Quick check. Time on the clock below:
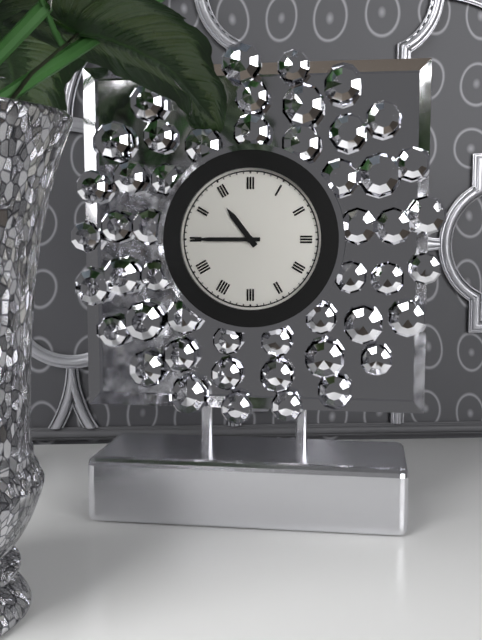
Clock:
10:45
